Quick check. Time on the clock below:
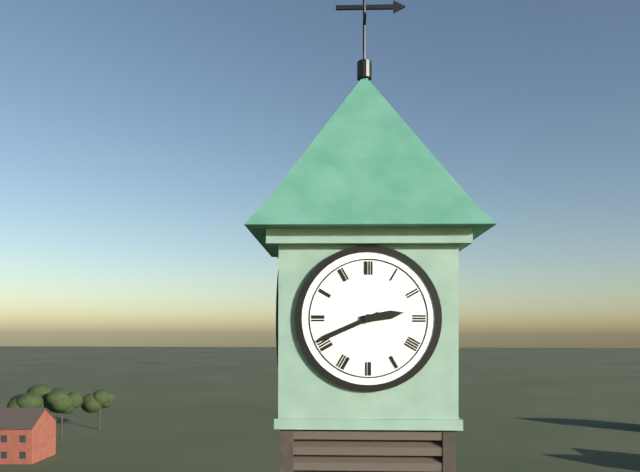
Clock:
2:41
